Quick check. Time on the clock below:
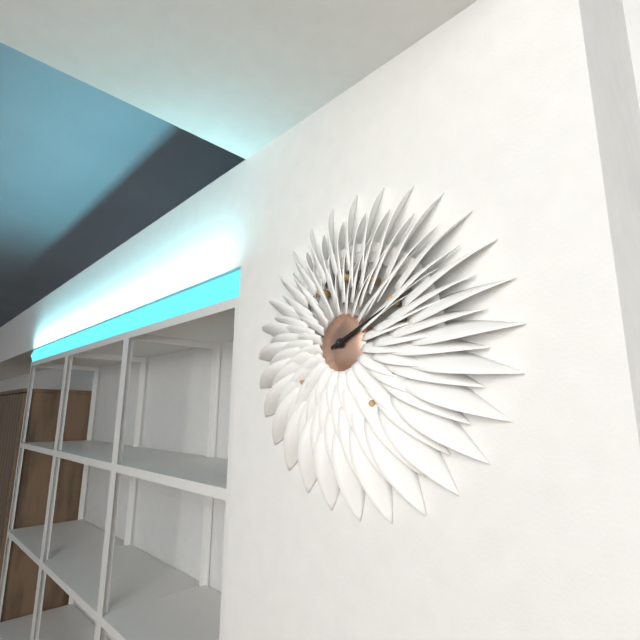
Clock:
2:11
